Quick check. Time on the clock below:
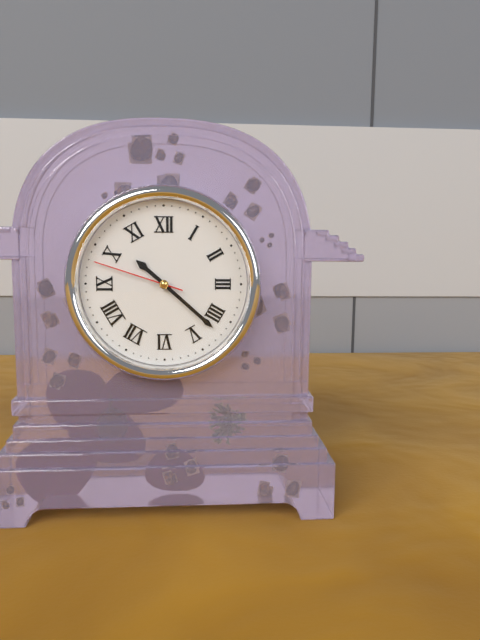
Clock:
10:22:48
